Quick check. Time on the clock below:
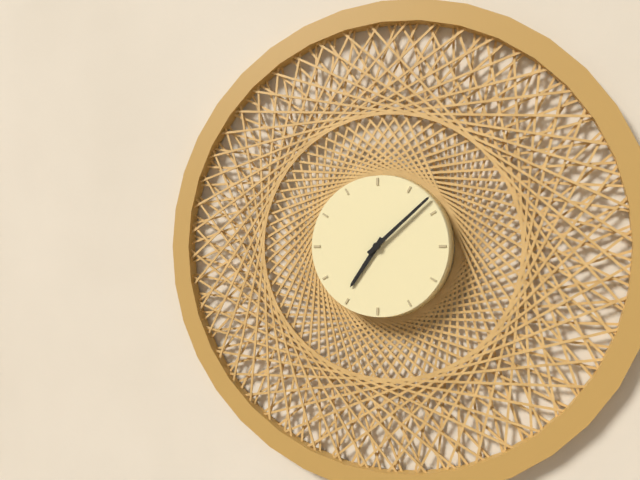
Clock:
7:08
